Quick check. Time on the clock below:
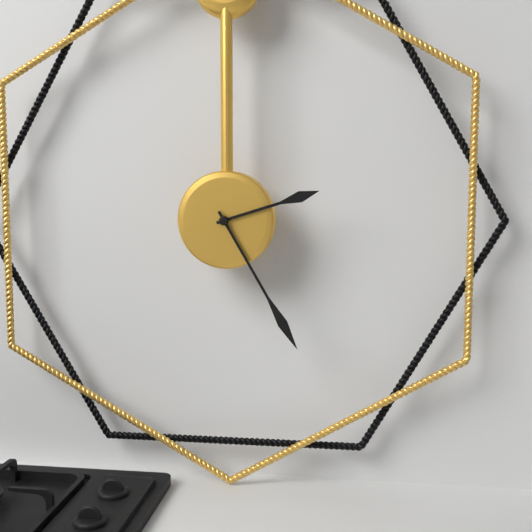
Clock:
2:25
